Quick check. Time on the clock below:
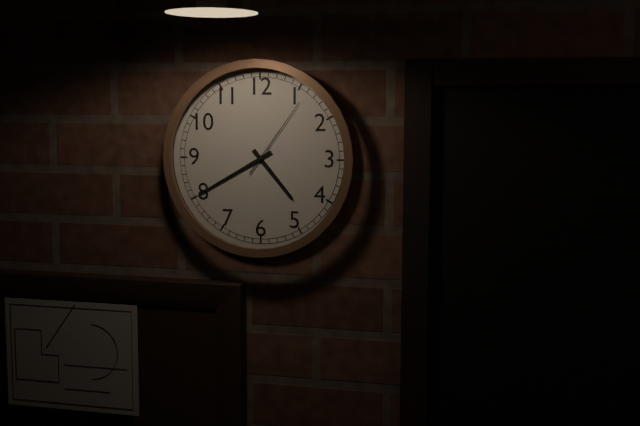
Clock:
4:40:06
